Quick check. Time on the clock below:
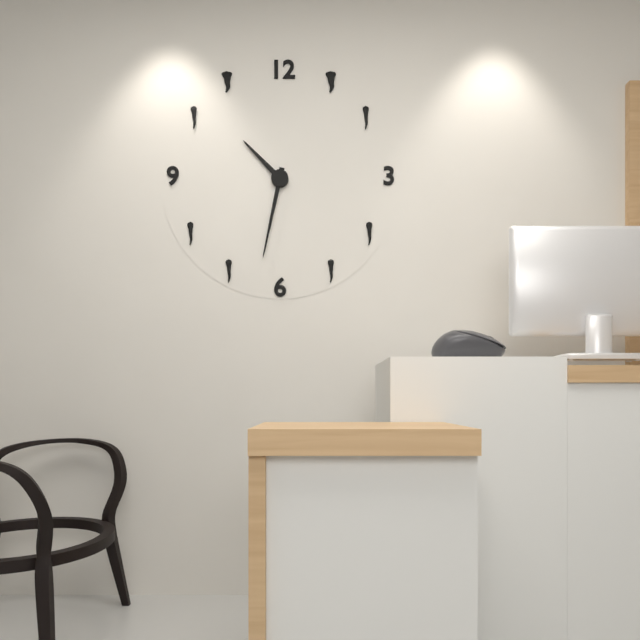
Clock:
10:32
